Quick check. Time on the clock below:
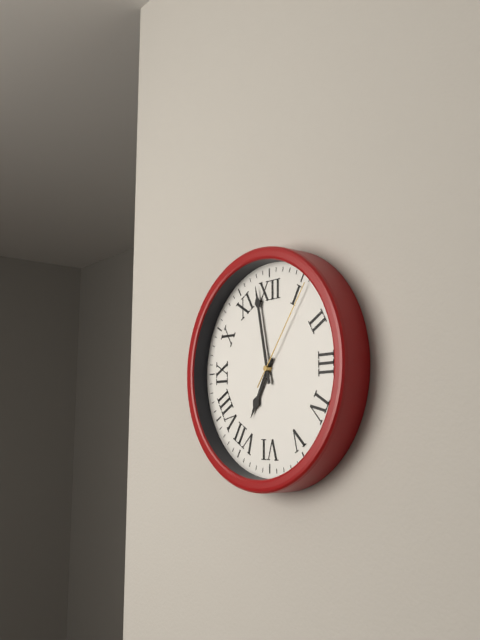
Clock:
6:58:06
